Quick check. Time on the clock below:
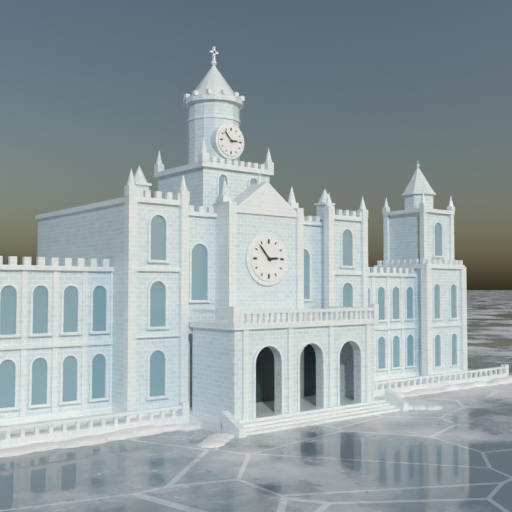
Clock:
2:53
